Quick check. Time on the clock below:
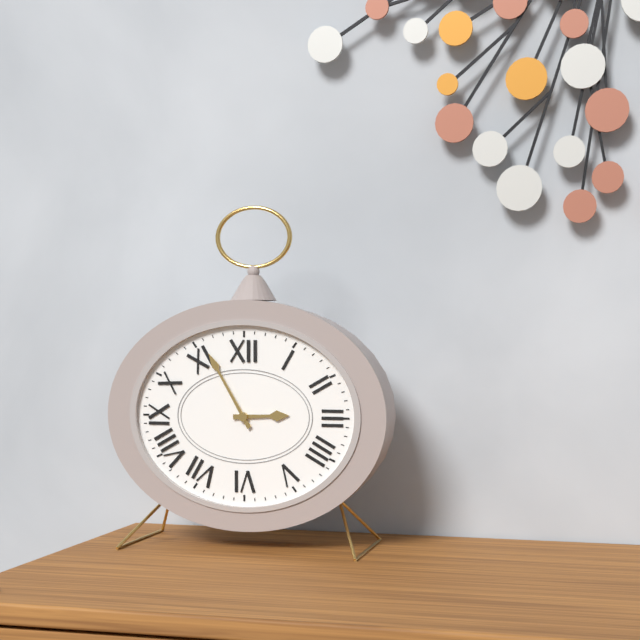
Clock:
2:55
